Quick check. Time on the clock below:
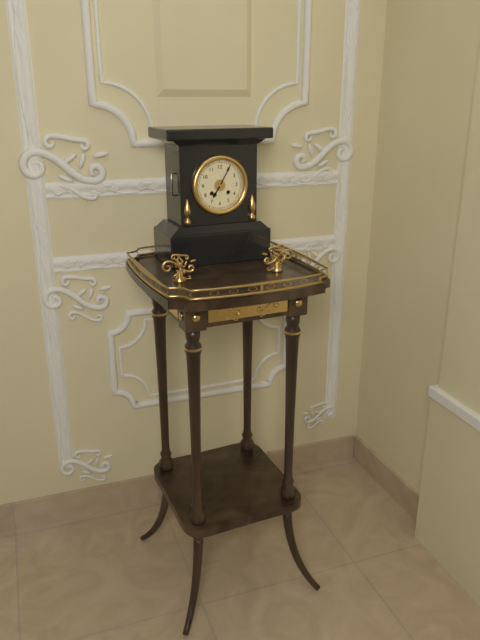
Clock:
7:05
